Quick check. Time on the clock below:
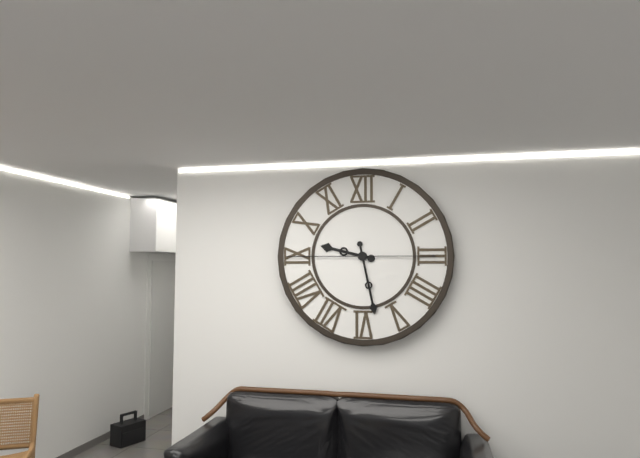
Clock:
9:28:45
